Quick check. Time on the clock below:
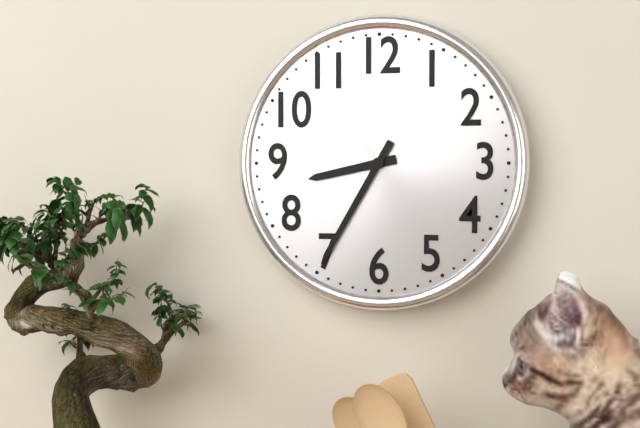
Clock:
8:35
